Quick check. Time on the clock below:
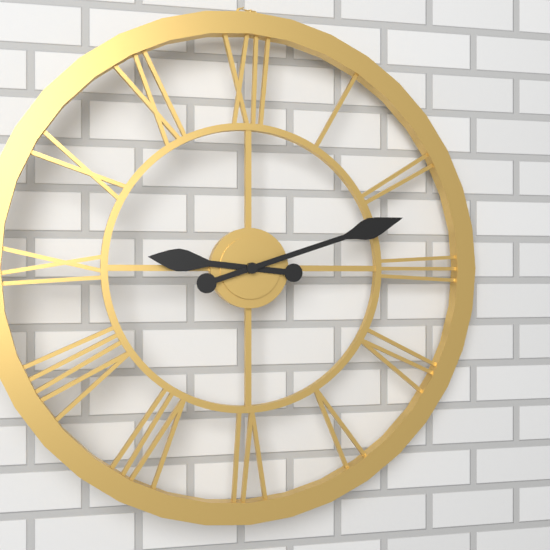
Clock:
9:12
